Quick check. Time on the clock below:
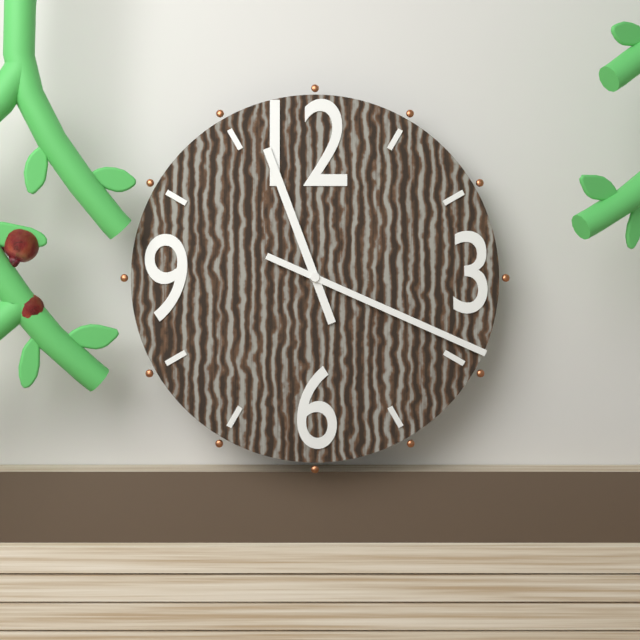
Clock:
11:19
